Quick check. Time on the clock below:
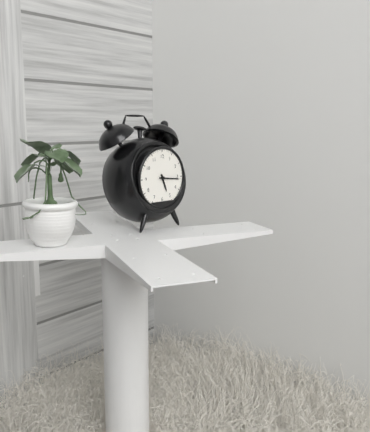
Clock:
5:16
